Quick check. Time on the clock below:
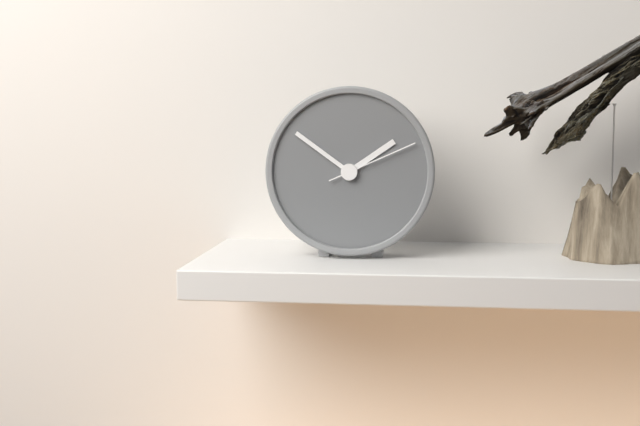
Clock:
1:51:11
